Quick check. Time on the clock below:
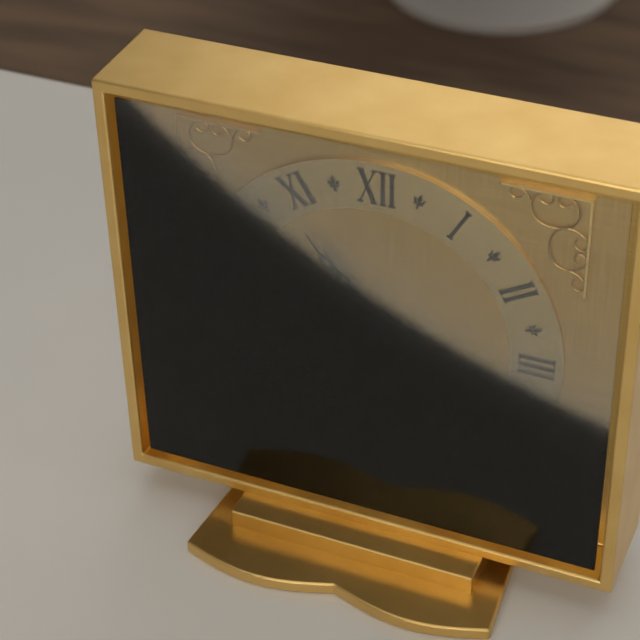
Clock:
10:54
